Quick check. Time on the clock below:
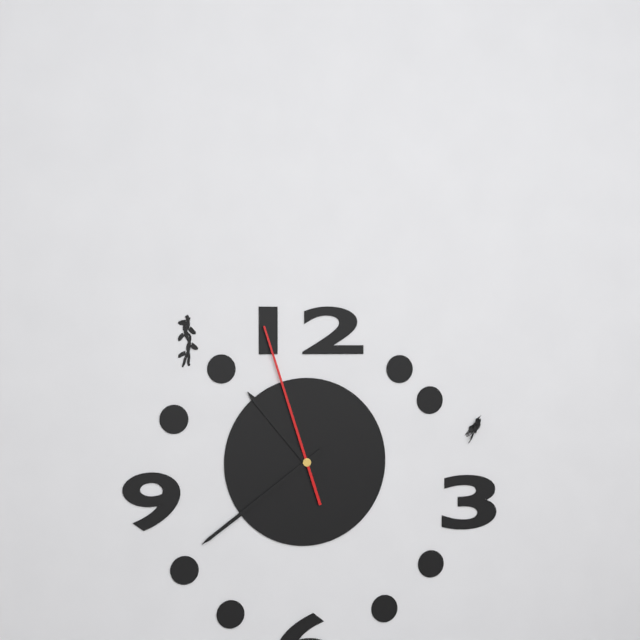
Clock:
10:39:57
